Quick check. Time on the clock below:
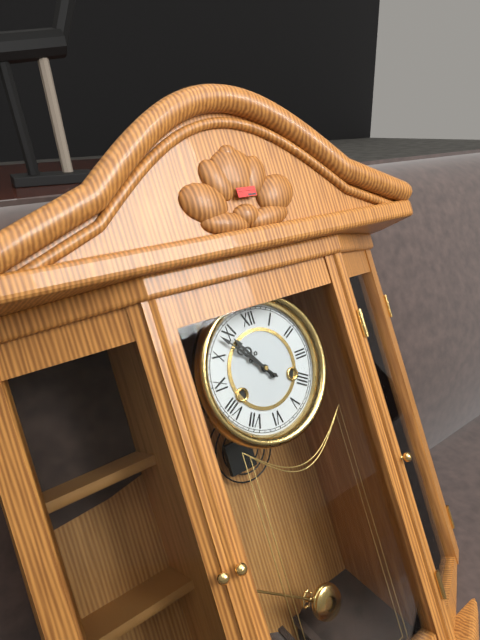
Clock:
10:53
